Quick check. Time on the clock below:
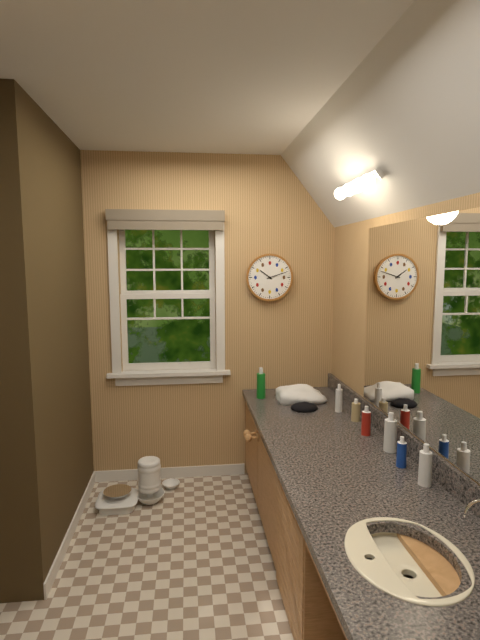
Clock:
10:12
